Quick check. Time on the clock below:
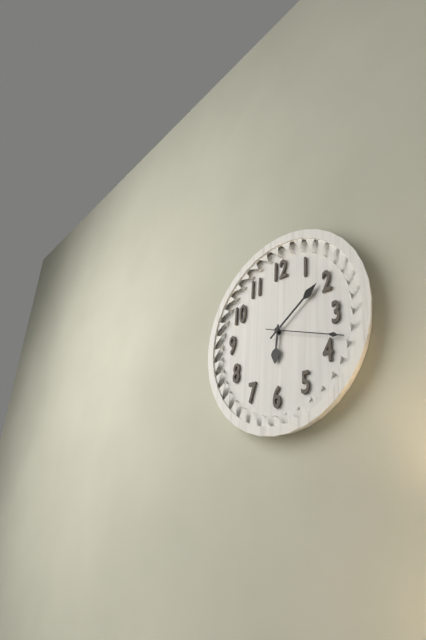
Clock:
6:09:18
